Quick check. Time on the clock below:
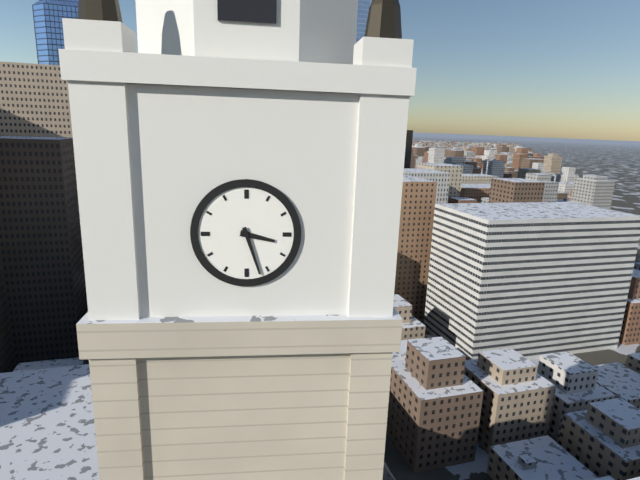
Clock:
3:27
